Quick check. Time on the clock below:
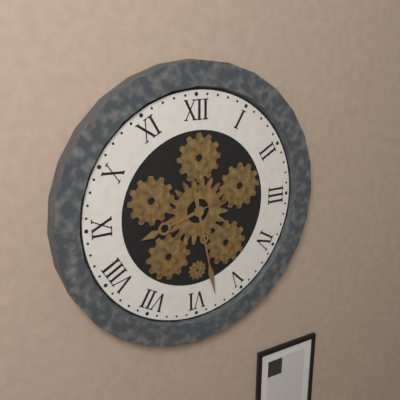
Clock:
8:28
